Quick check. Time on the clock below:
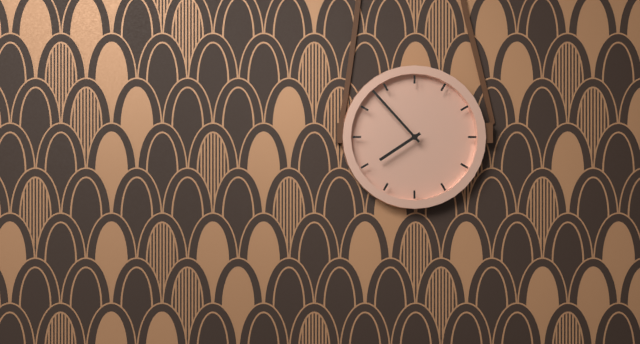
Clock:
7:53
